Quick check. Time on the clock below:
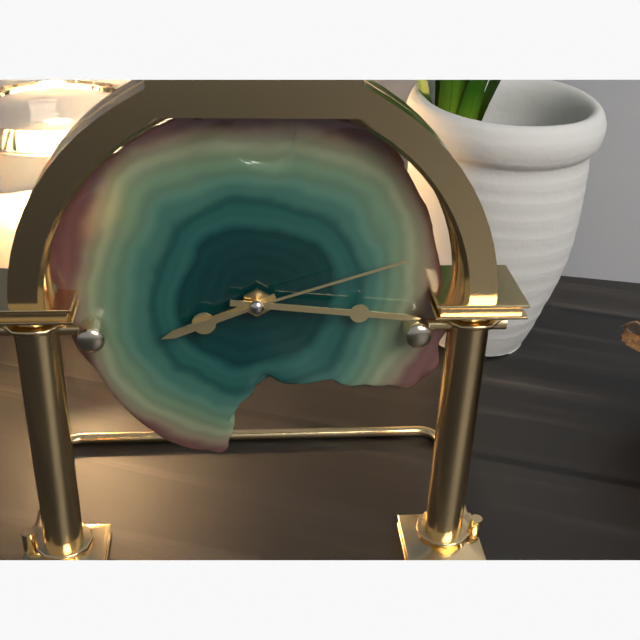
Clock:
8:16:12
